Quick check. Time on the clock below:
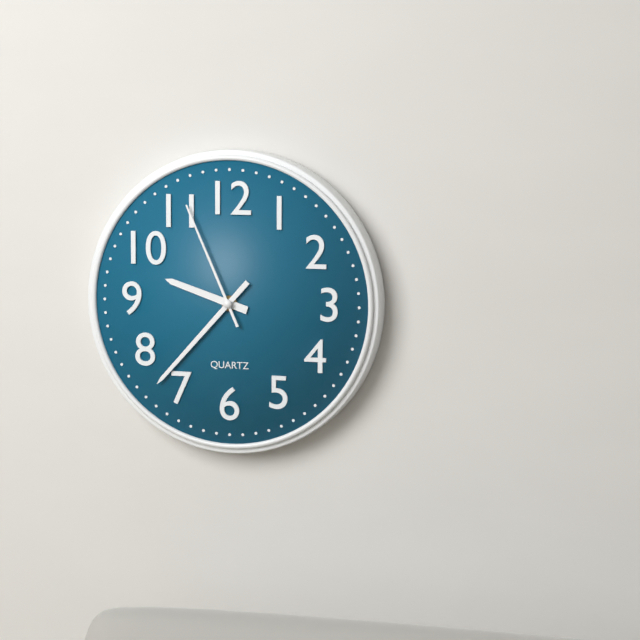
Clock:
9:37:56
